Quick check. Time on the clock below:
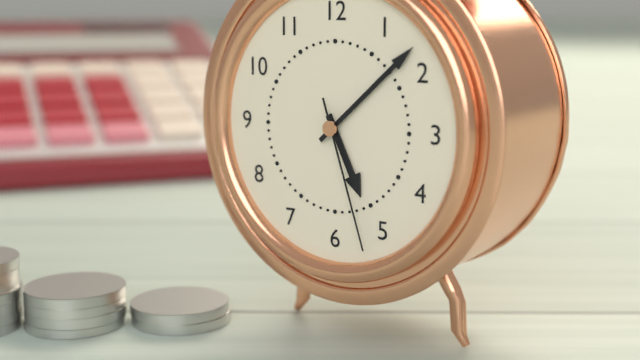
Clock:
5:08:27
